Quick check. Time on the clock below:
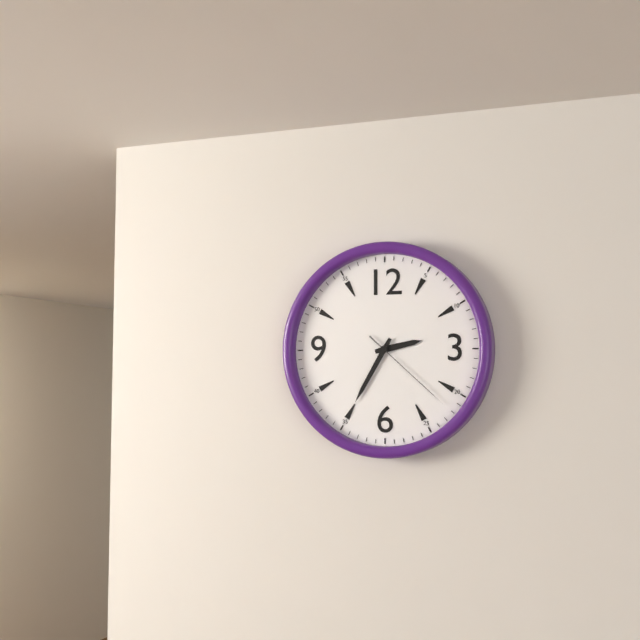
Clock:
2:35:22
